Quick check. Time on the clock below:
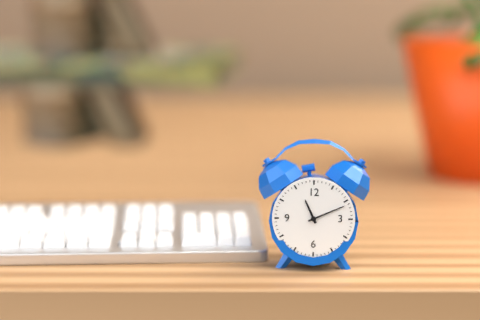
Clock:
11:11
